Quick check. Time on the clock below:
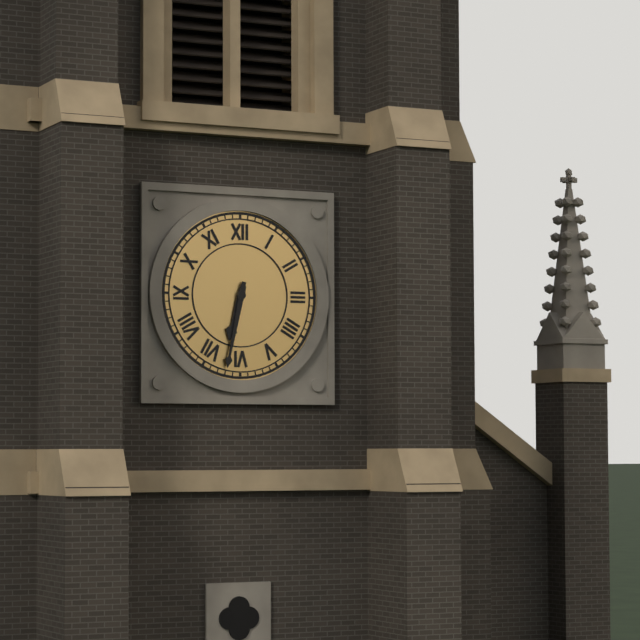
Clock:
6:32
